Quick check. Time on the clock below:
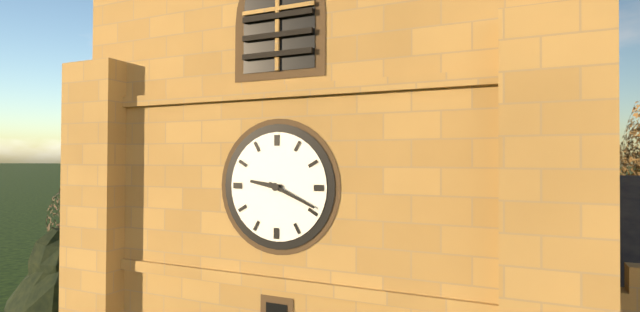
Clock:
9:19
